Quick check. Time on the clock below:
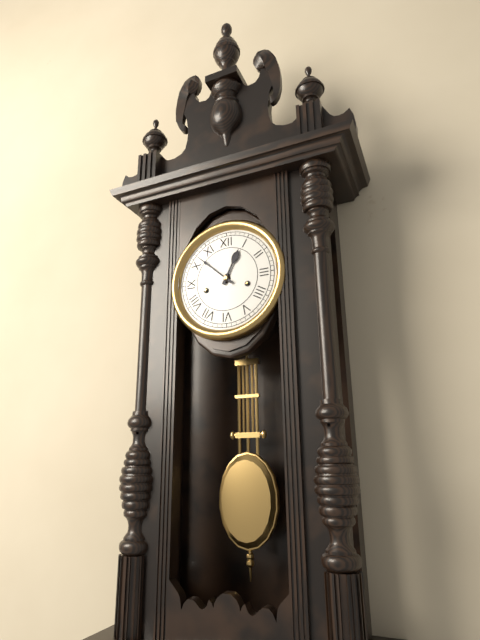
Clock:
12:52
